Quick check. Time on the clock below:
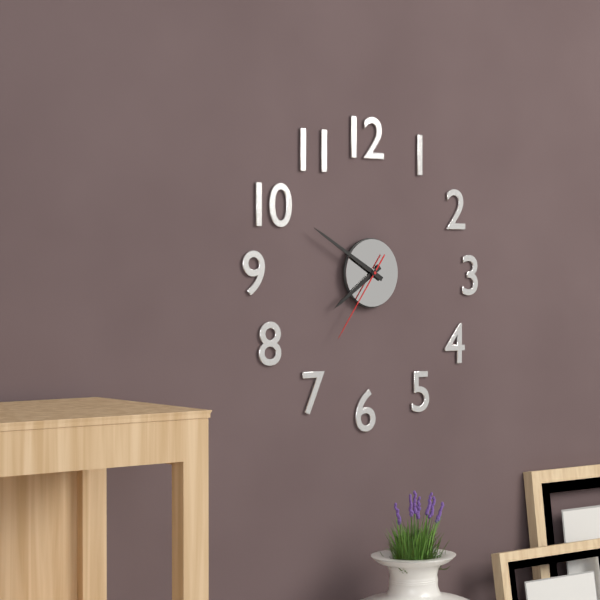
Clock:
7:50:36
